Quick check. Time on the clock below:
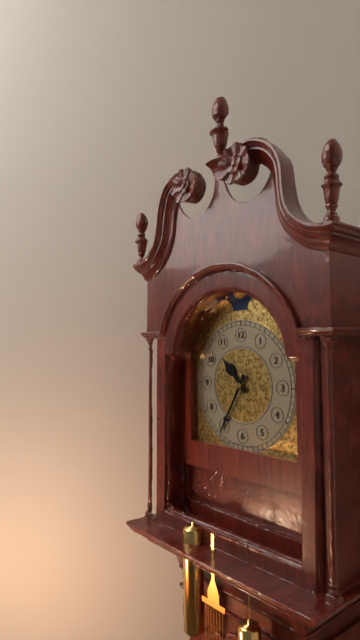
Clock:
10:35
